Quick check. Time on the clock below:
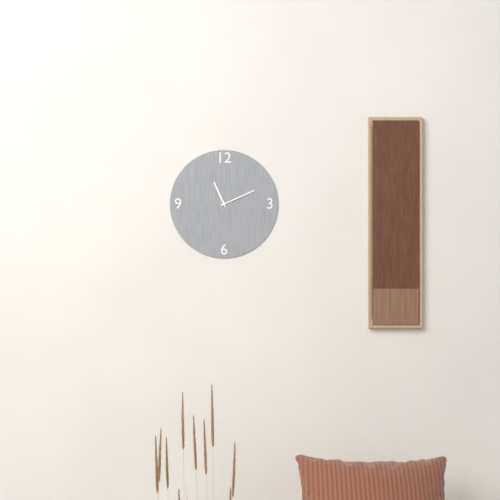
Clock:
11:11
